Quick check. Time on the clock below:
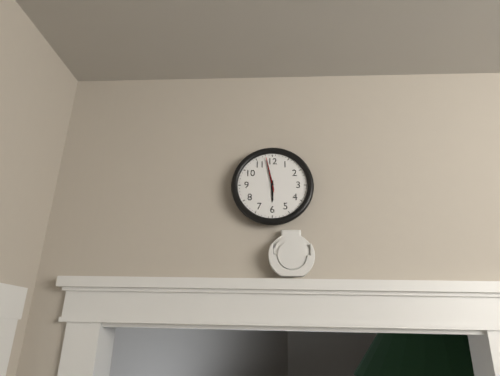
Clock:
5:58
